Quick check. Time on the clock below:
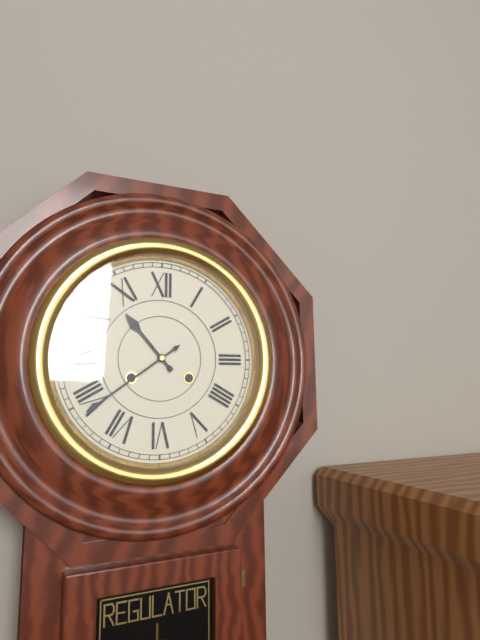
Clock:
10:39
